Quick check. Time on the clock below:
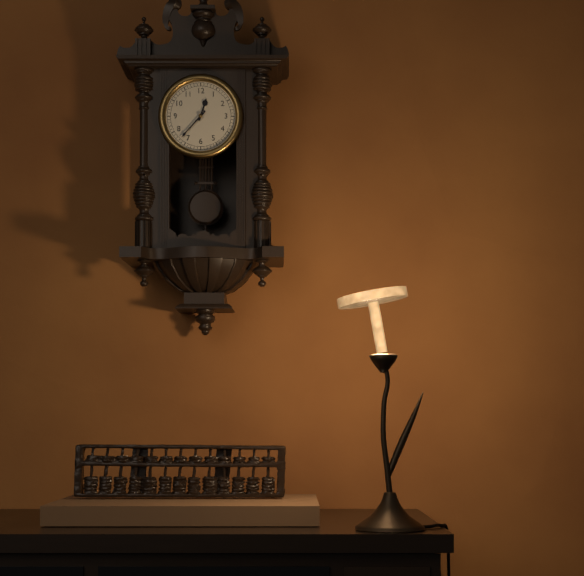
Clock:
12:37
